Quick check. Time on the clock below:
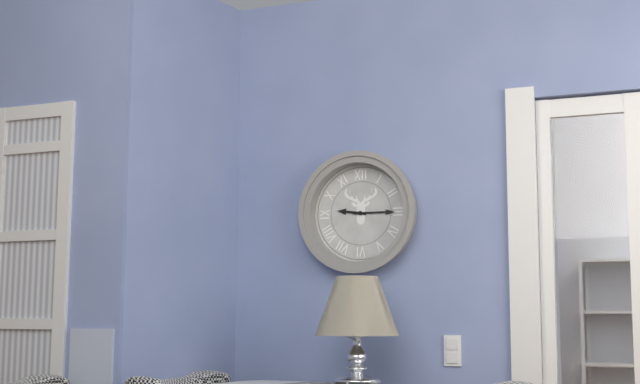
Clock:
9:15
